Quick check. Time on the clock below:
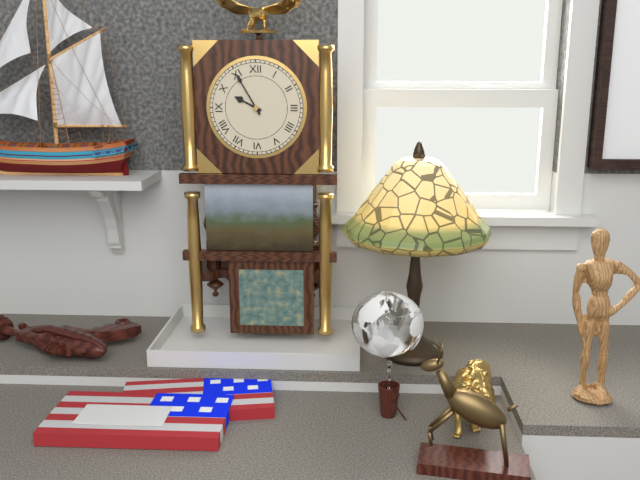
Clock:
9:55
